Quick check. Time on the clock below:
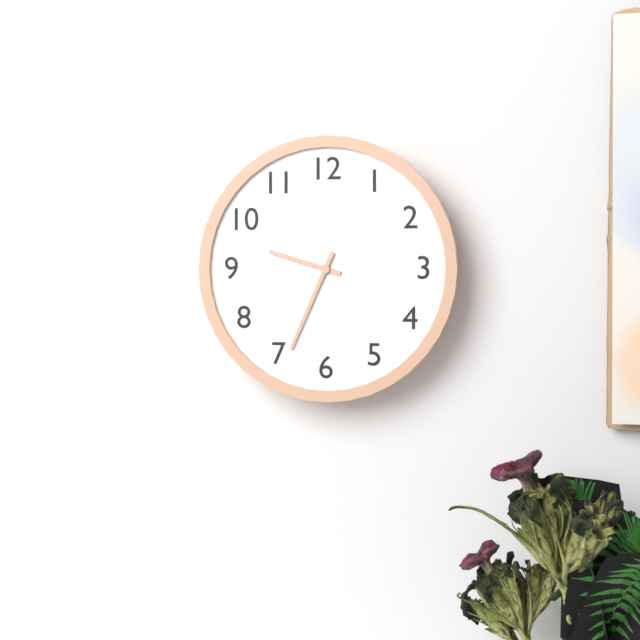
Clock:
9:34
